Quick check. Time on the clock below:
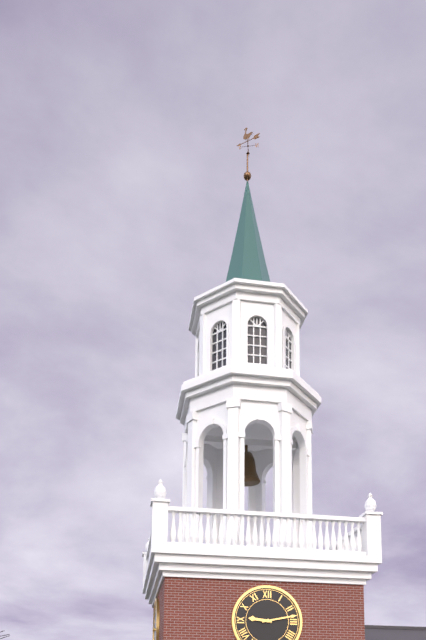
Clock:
9:13
